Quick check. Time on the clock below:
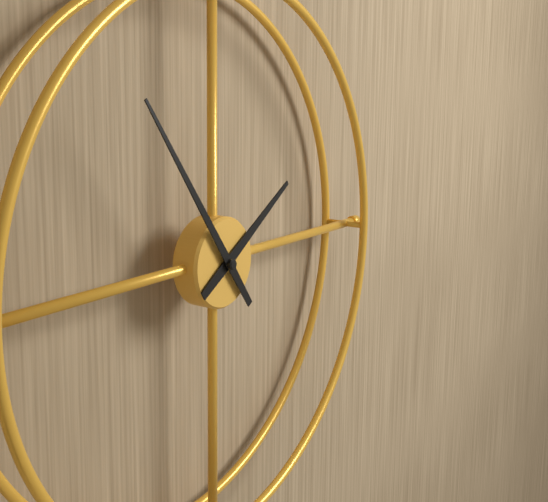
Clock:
1:54
